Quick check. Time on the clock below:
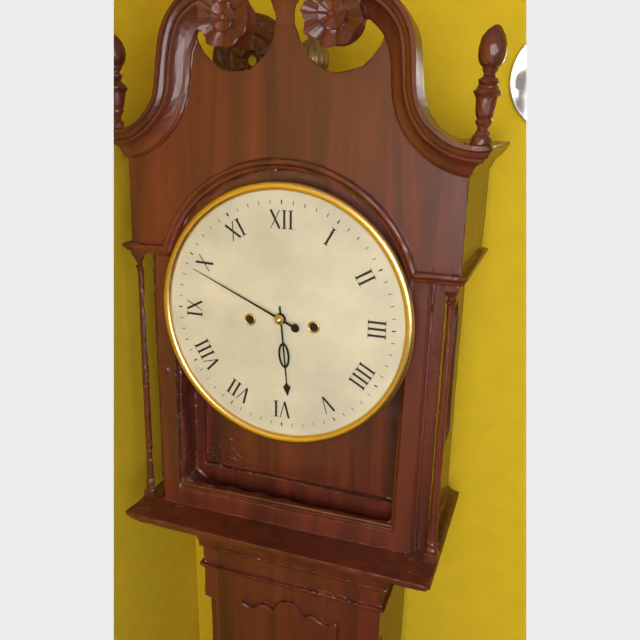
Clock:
5:49
